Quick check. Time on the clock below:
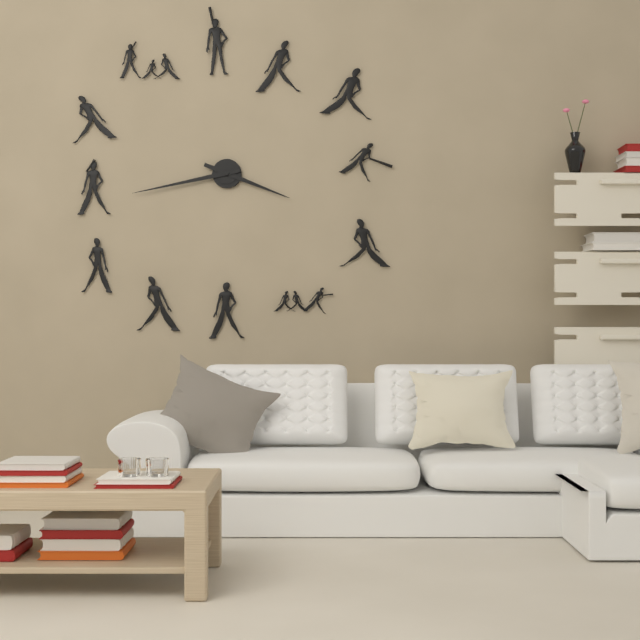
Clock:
3:43
